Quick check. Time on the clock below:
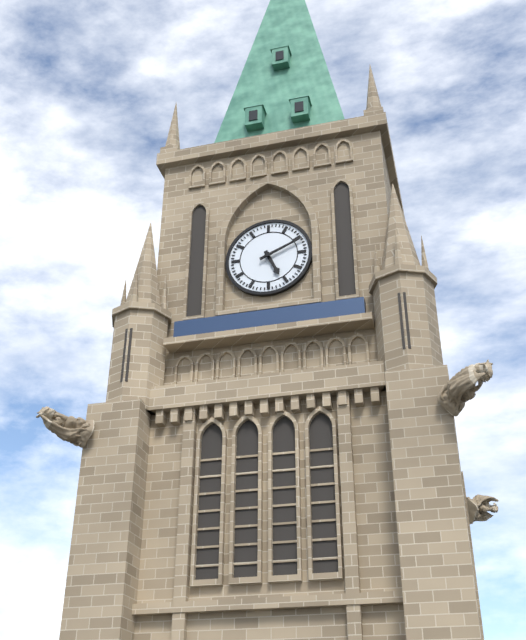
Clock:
5:11
